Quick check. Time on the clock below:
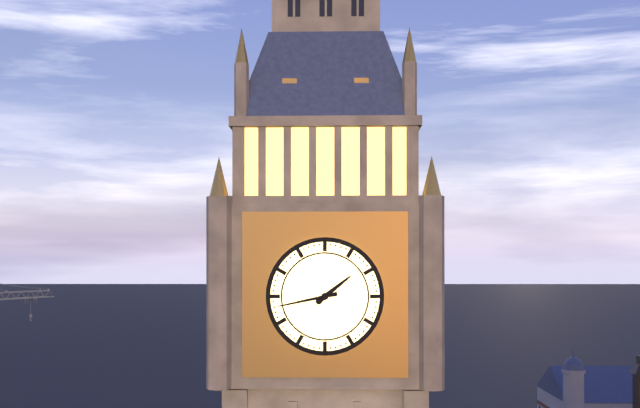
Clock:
1:43
